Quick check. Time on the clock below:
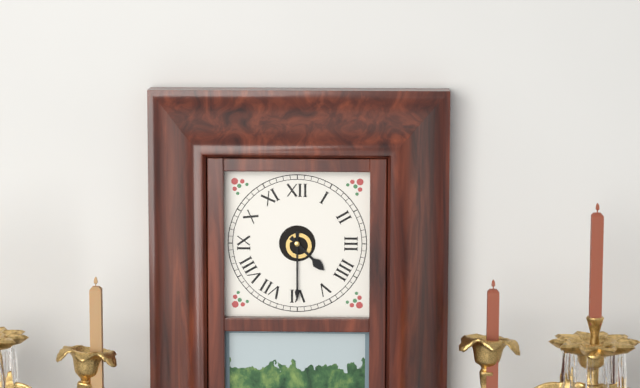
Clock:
4:30
